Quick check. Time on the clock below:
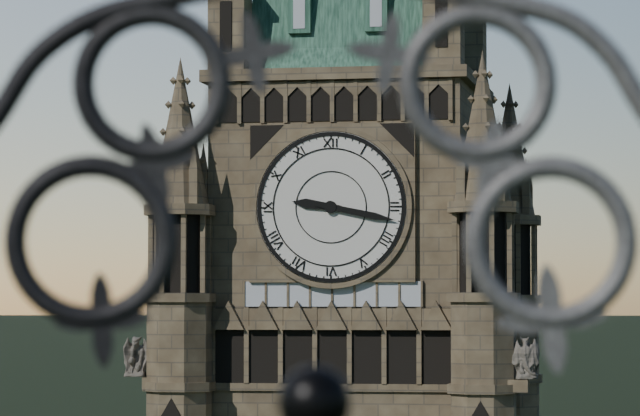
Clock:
9:17
